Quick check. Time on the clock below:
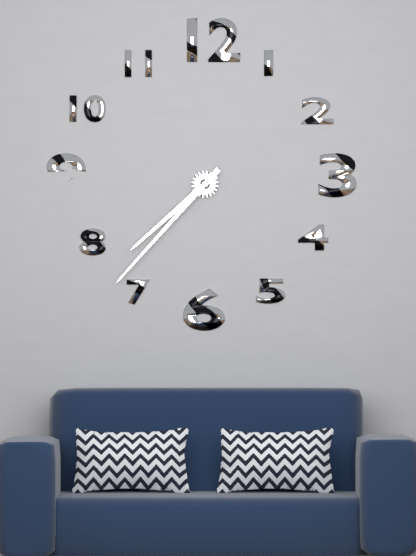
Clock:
7:37
